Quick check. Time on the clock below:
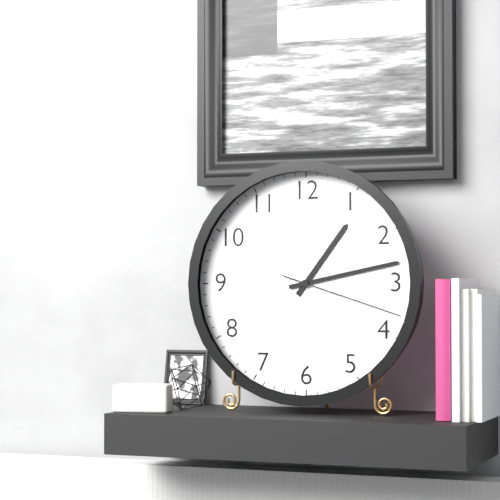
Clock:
1:13:18
